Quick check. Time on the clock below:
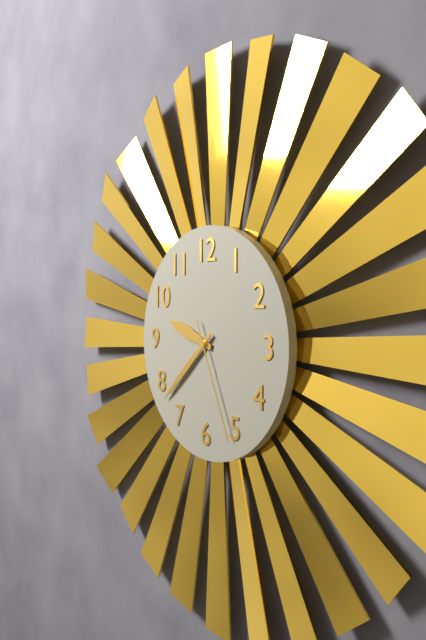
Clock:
9:38:26
